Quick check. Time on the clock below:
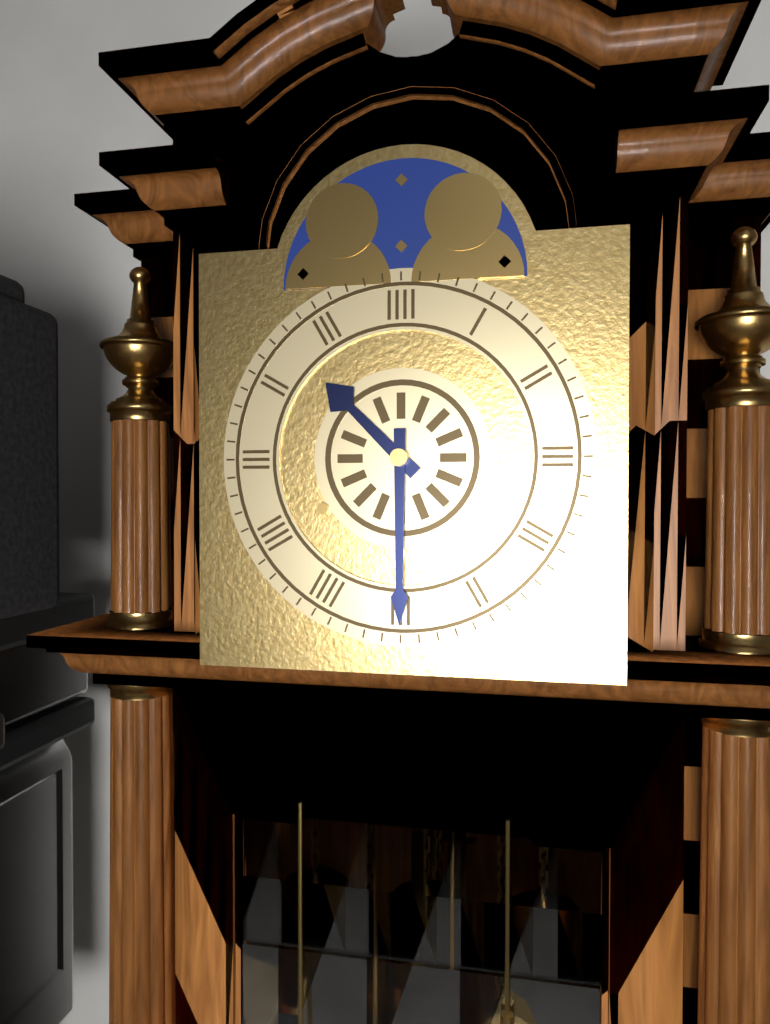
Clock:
10:30
